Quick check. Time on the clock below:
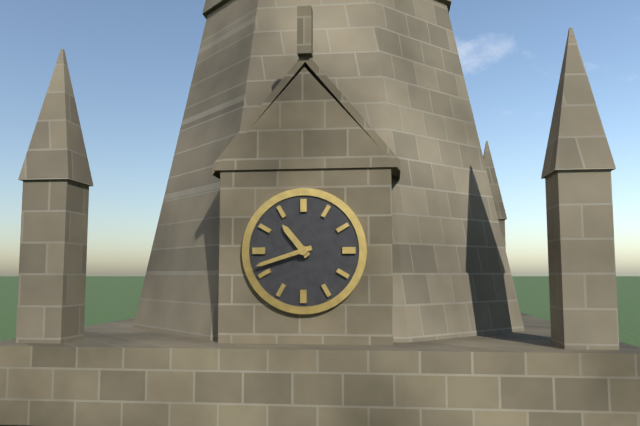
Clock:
10:42
